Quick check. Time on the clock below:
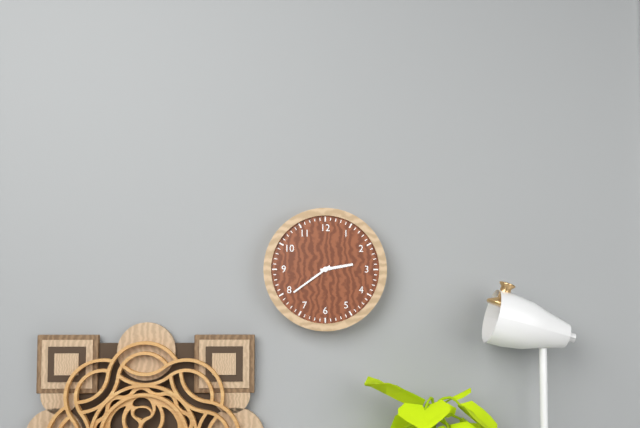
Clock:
2:39
